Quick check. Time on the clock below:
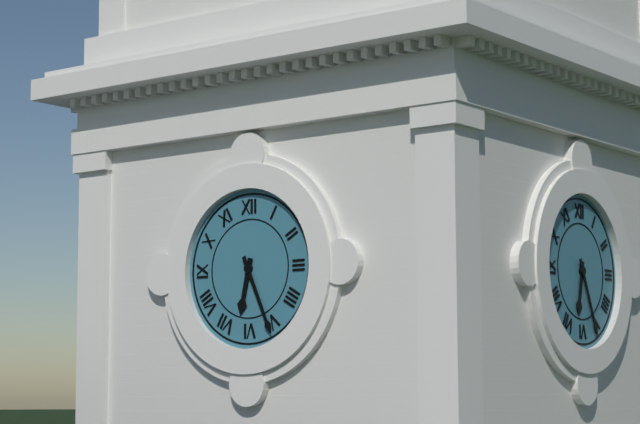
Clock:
6:26
